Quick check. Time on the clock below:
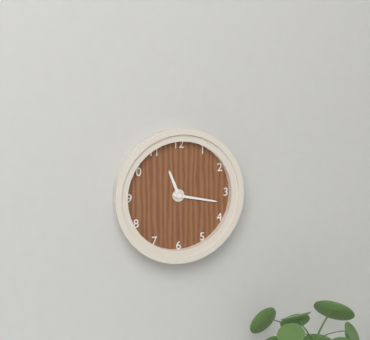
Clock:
11:17
